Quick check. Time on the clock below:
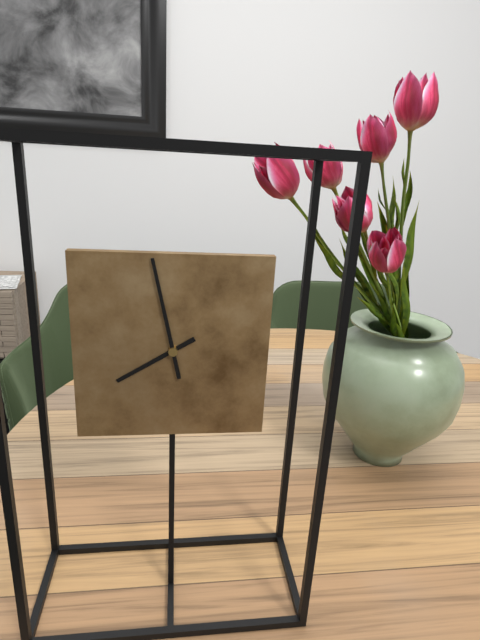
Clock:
7:58
